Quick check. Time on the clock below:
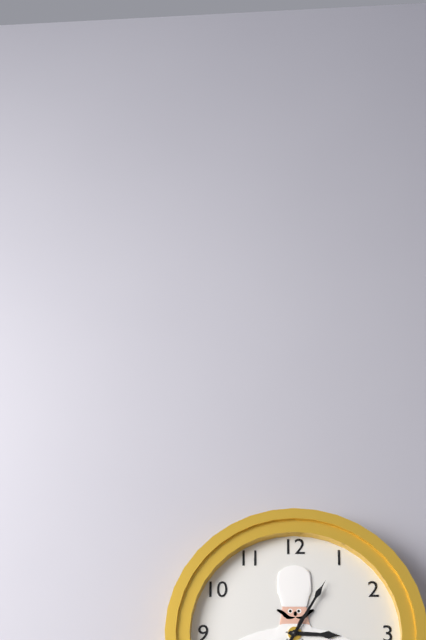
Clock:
3:05
